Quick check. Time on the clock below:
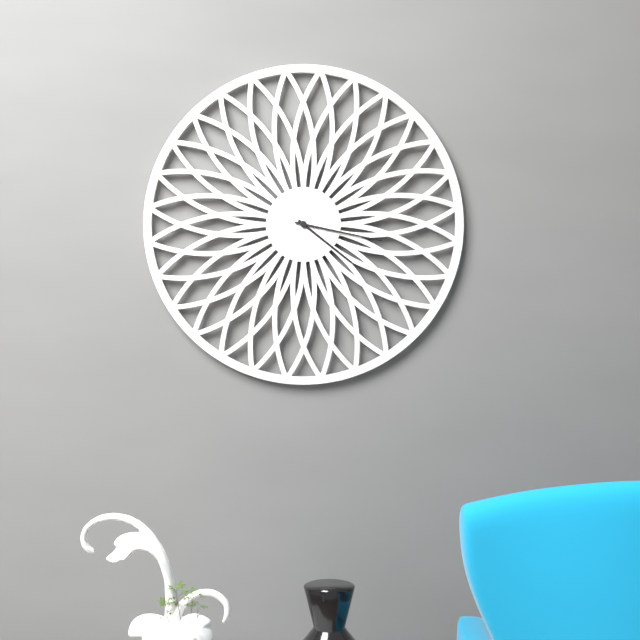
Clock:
4:17
